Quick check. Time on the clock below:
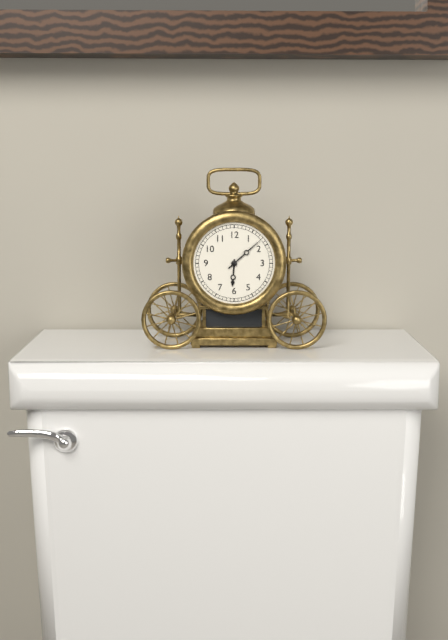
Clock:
6:08
